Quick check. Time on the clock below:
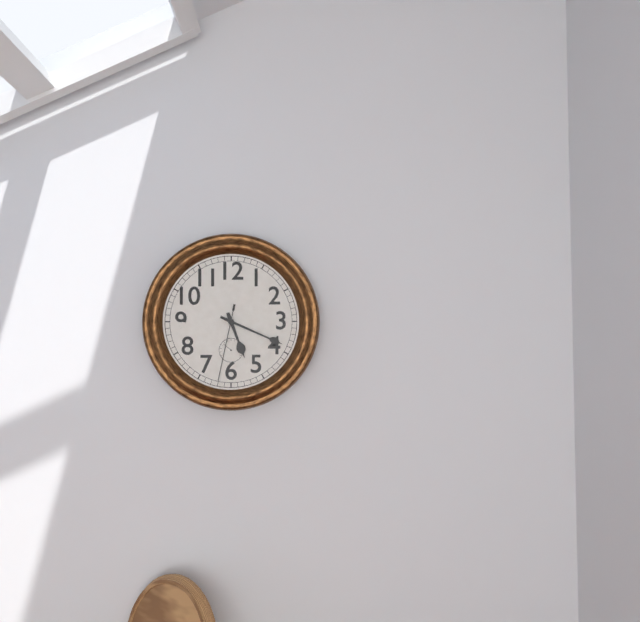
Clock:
5:19:32
